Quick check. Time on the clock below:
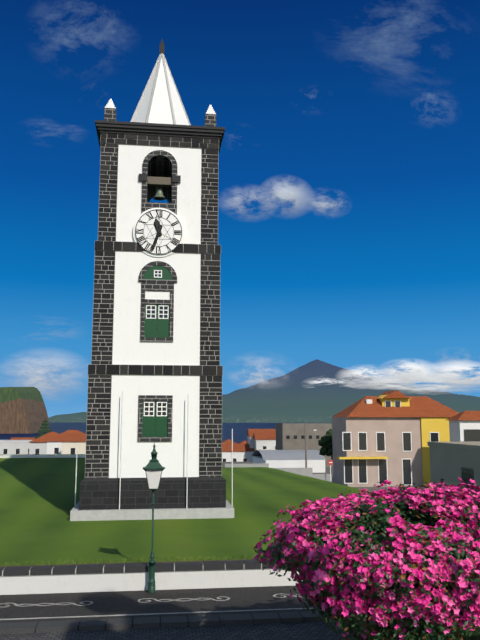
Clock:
11:33
